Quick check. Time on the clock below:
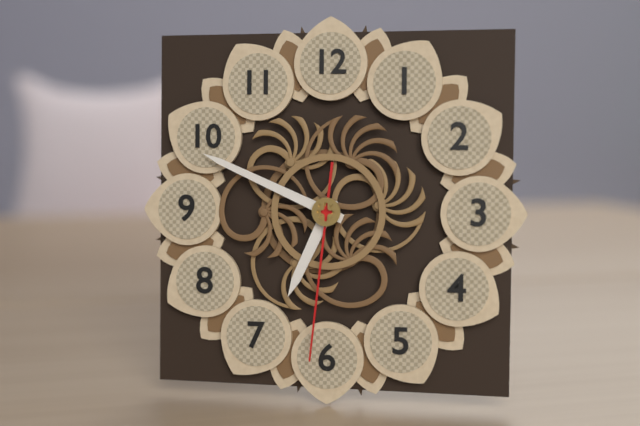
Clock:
6:49:31
